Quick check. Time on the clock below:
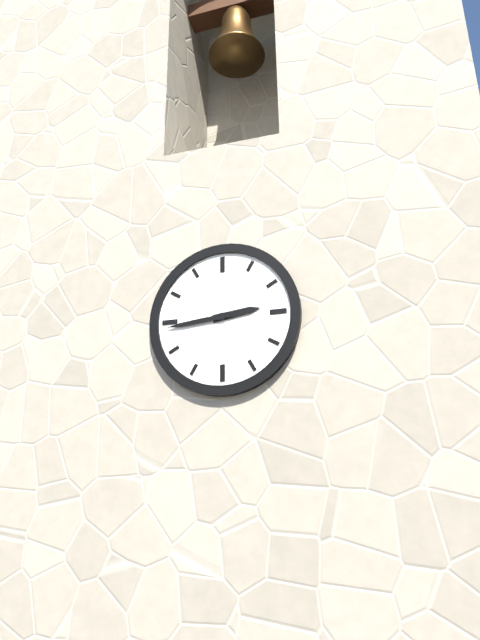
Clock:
2:44
